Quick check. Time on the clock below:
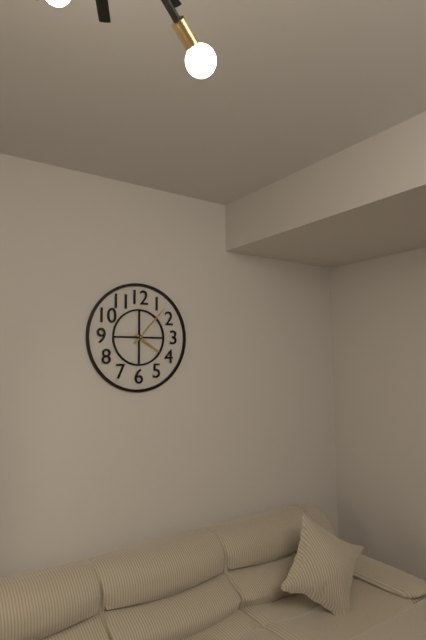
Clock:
4:07
